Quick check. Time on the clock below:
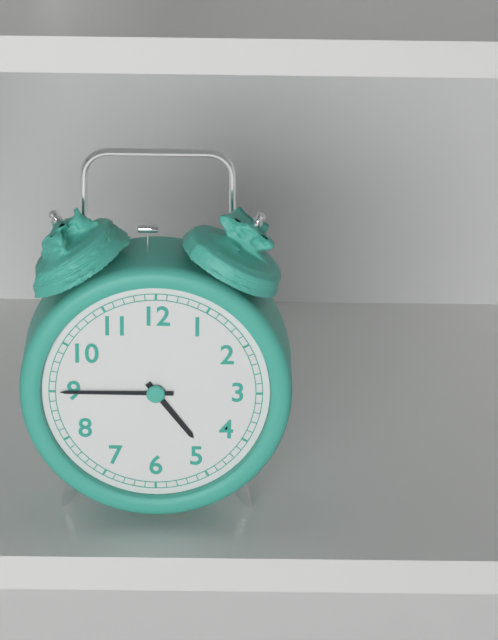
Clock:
4:45
